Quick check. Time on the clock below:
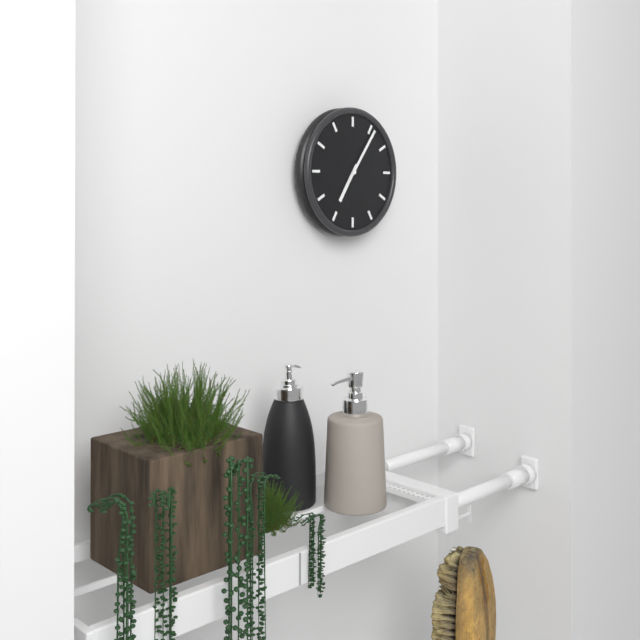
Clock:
7:06
